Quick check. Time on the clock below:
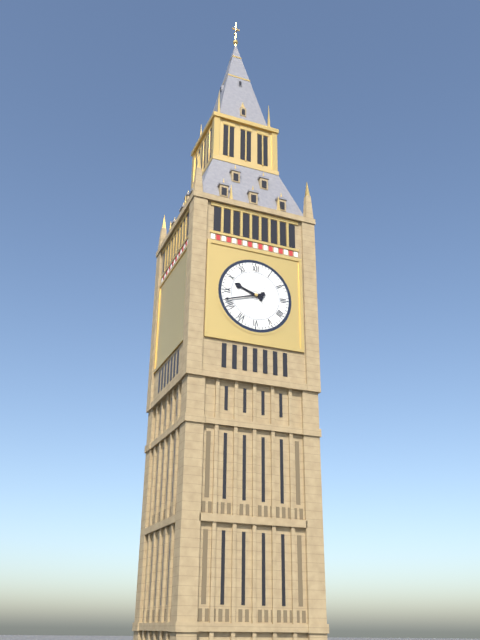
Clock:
9:42
